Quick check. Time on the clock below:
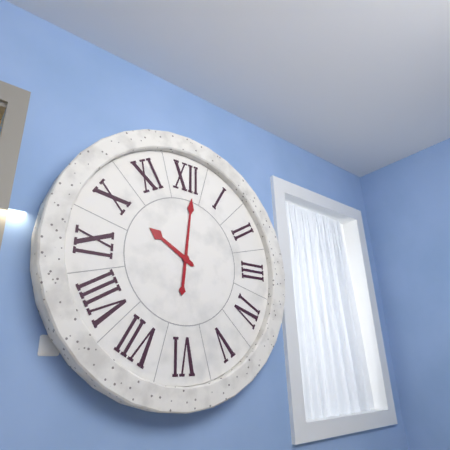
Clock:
10:01
